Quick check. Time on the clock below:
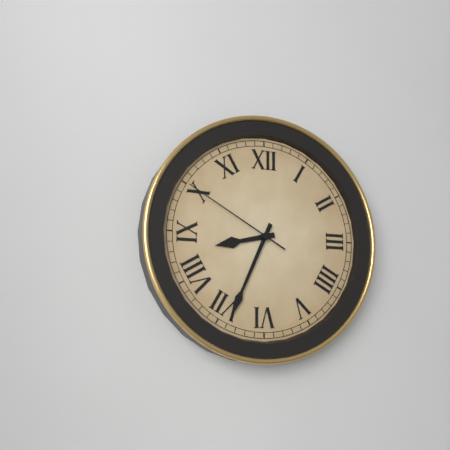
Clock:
8:34:50
